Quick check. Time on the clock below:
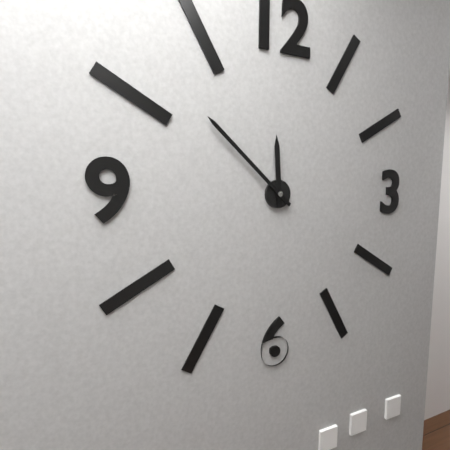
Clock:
11:52
